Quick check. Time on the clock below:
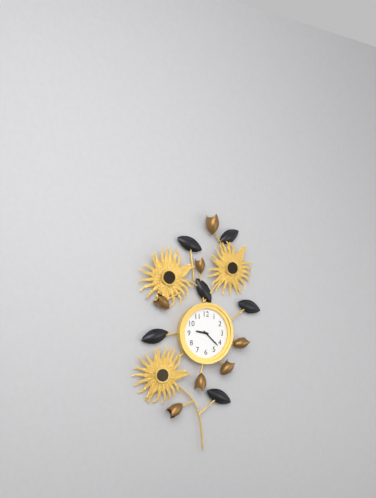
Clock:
9:22
